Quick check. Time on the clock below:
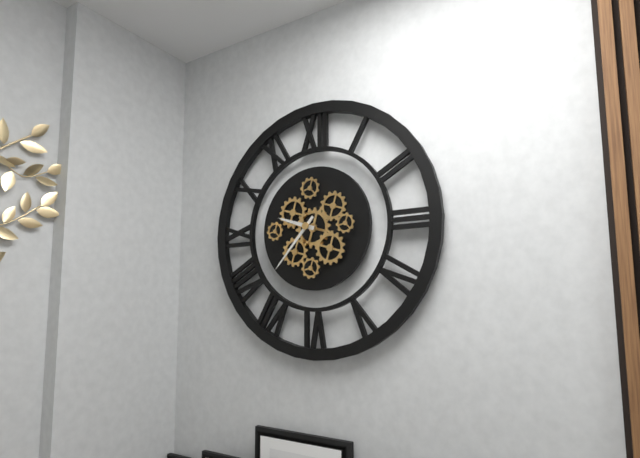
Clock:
9:37
